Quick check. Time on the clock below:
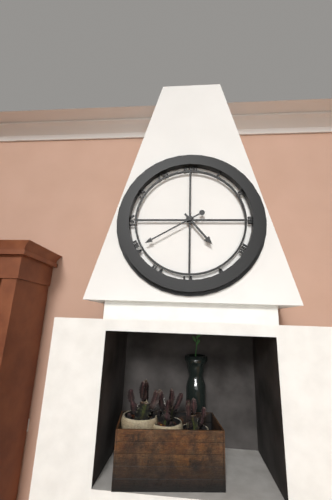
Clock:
4:40
